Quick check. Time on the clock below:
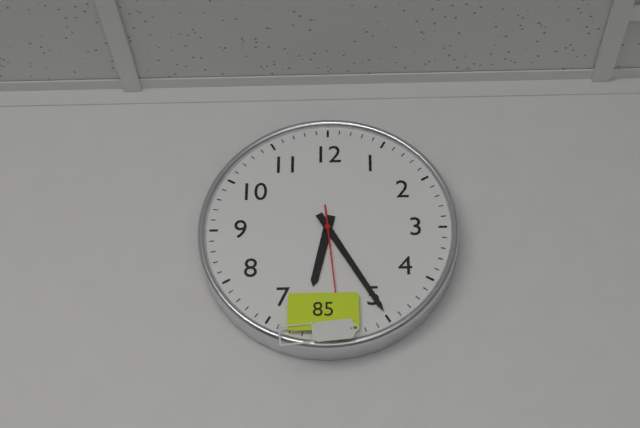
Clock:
6:25
